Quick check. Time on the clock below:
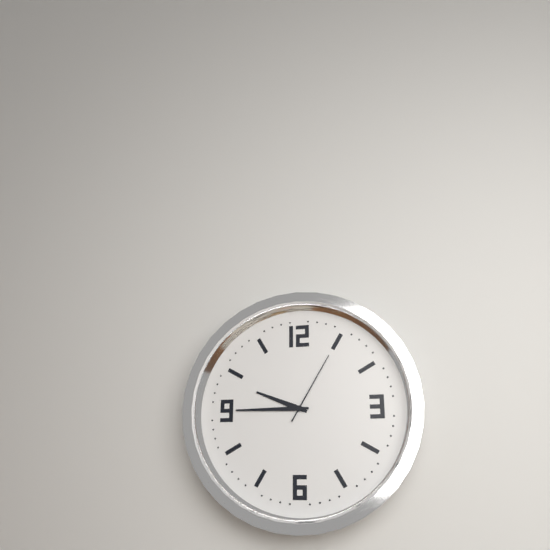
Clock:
9:45:05
